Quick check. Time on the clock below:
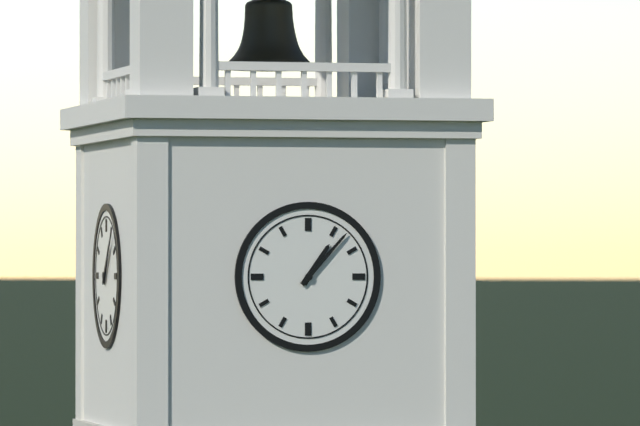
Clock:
1:07
